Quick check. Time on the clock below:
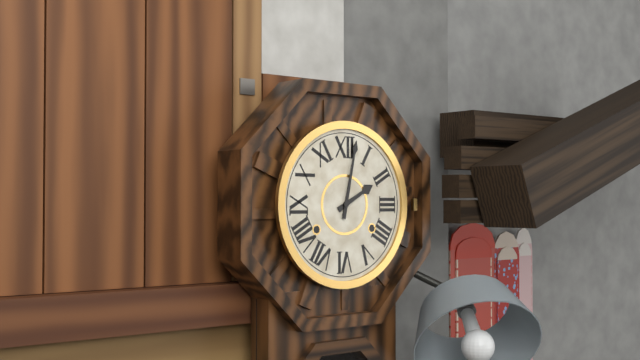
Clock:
2:02
